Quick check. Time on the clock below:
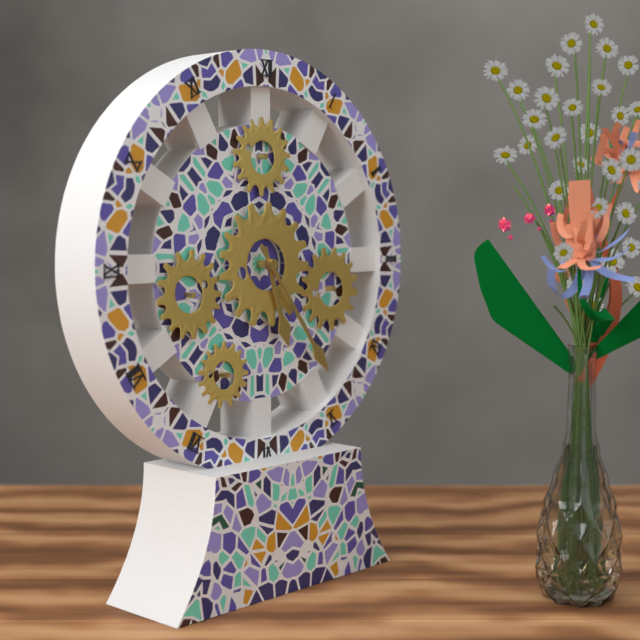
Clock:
5:24
